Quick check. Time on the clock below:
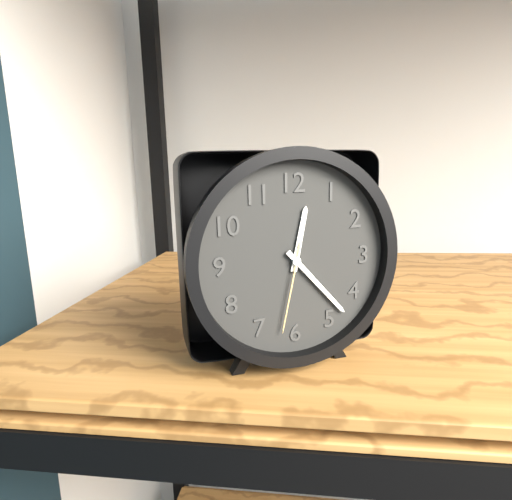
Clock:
12:23:32
